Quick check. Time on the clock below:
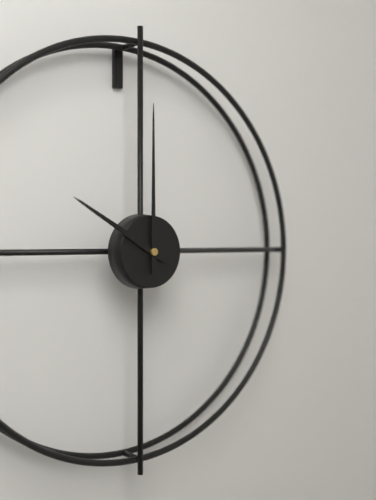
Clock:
10:00
